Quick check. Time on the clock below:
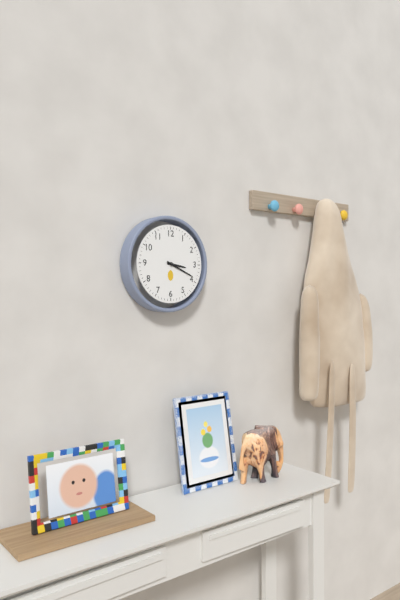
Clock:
3:19
